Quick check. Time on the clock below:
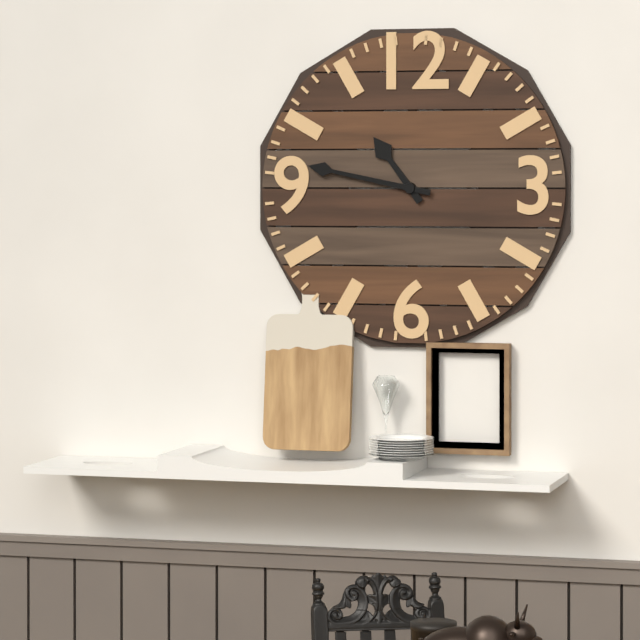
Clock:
10:47
